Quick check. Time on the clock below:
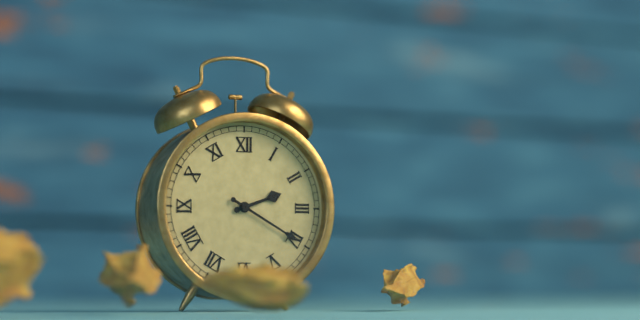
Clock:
2:20
